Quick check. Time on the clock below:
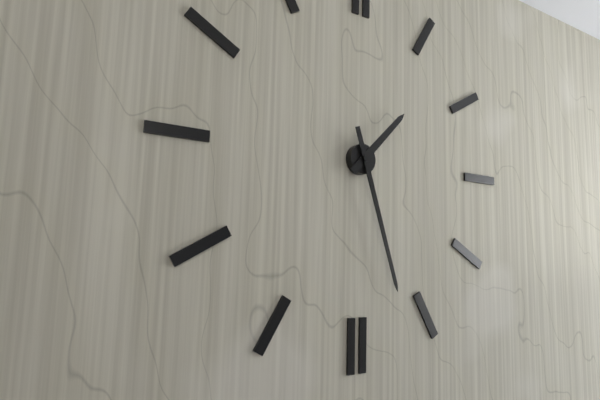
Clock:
1:27
